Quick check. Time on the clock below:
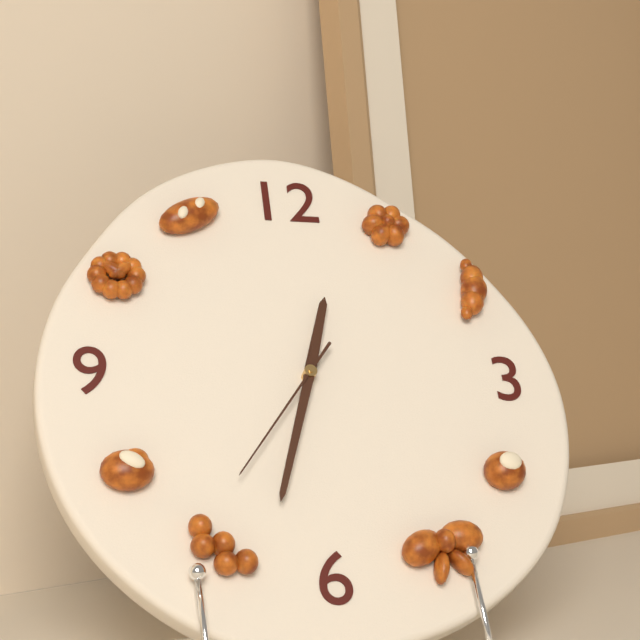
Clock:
12:33:36
